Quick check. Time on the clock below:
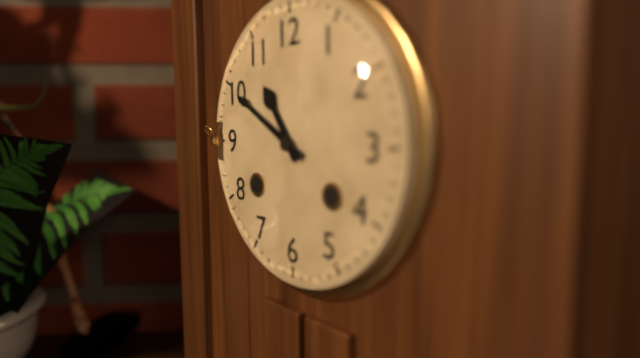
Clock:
10:50
